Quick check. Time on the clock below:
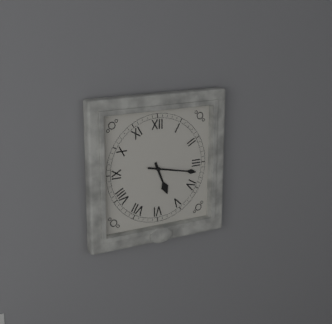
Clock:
5:17
